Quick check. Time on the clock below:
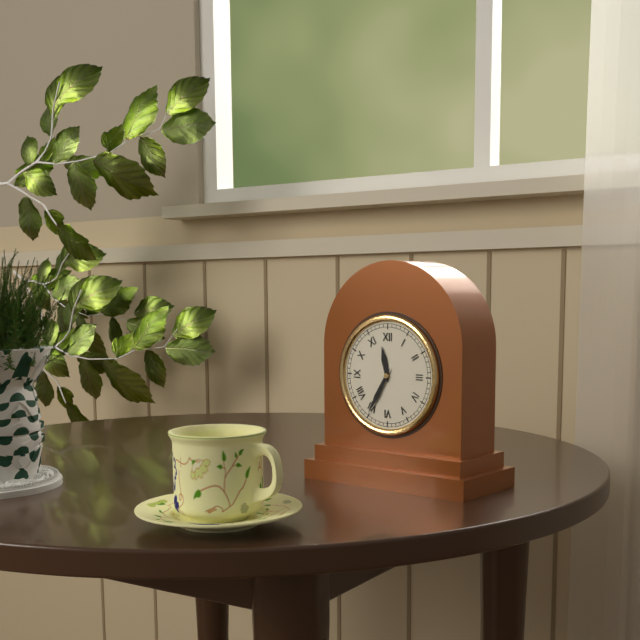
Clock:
11:35
